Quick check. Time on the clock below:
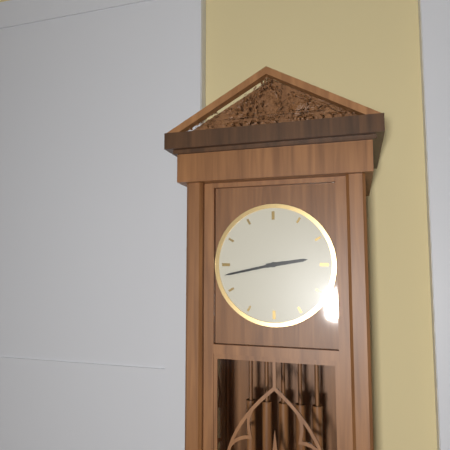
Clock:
2:43
